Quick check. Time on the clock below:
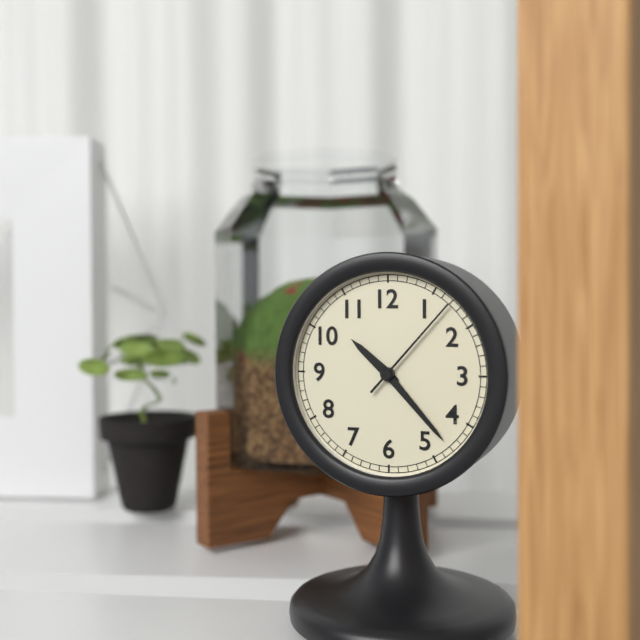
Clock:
10:23:07
